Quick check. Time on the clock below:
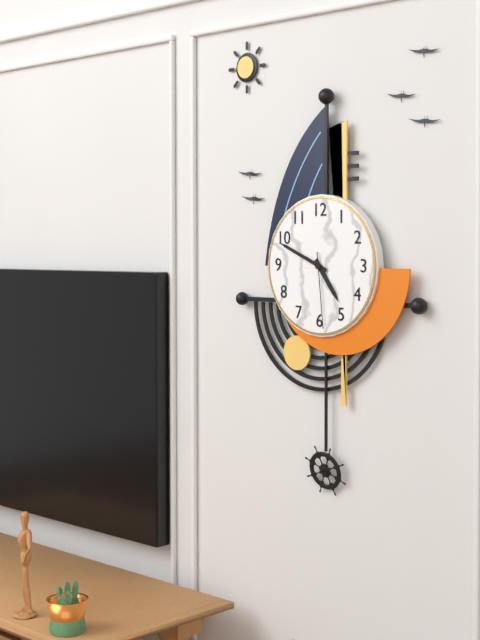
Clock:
4:49:29
